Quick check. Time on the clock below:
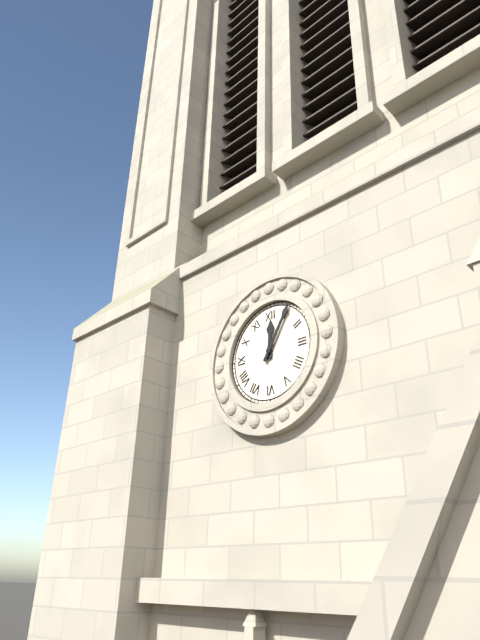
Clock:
12:05
